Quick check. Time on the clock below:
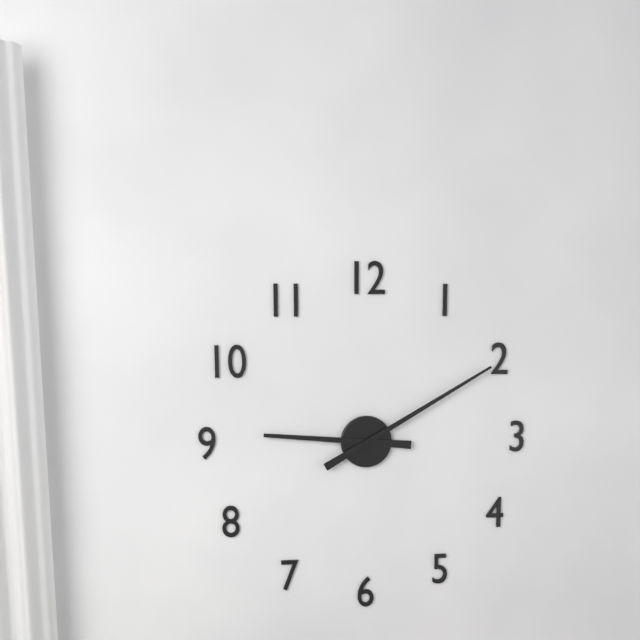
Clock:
9:10
